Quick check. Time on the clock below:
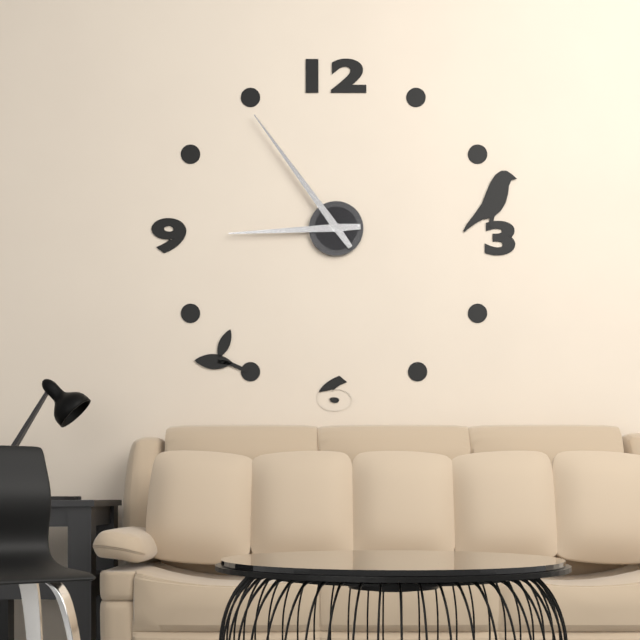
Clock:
8:54
